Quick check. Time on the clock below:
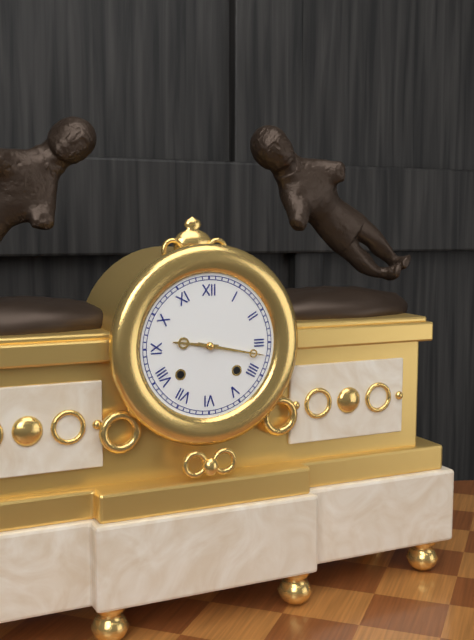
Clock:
9:17
